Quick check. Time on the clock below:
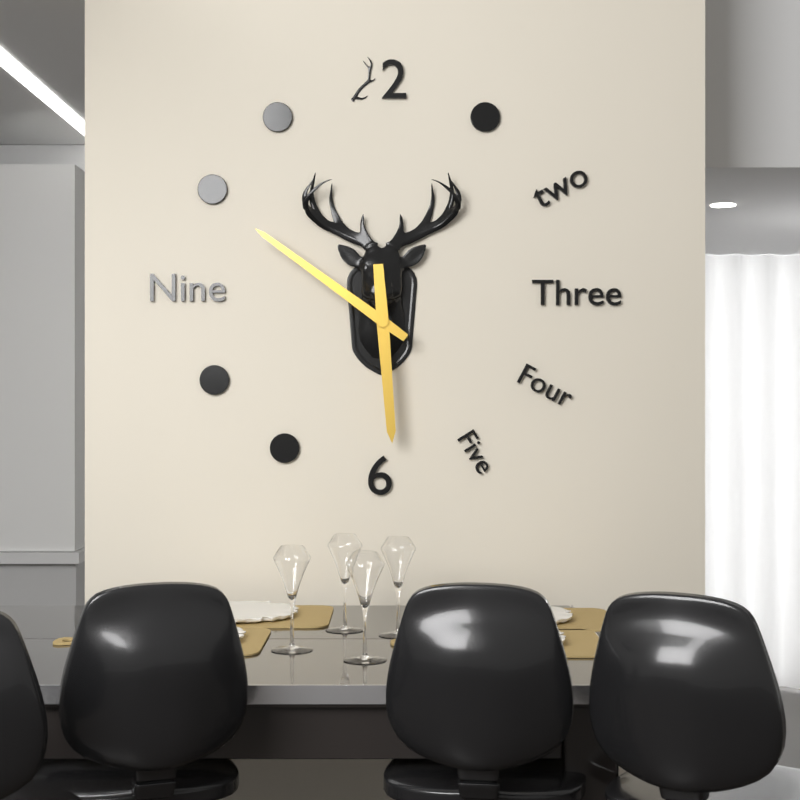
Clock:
5:51
